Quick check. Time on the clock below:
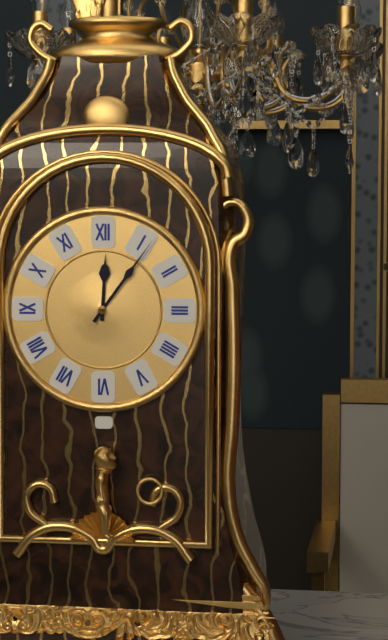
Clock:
12:06
